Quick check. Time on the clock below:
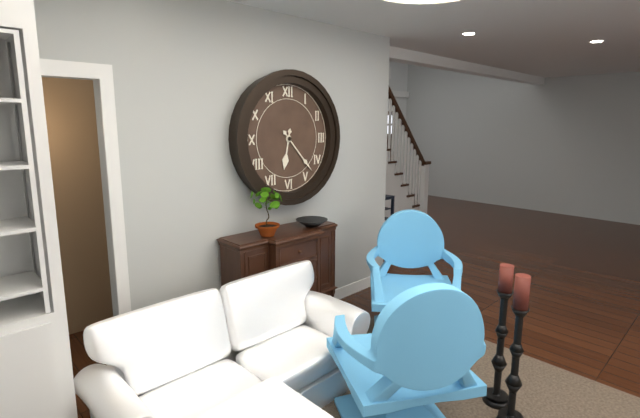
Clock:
6:23
